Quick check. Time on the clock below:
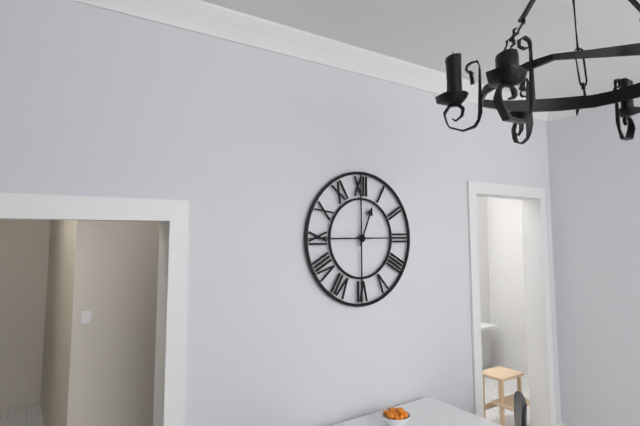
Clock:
12:45
